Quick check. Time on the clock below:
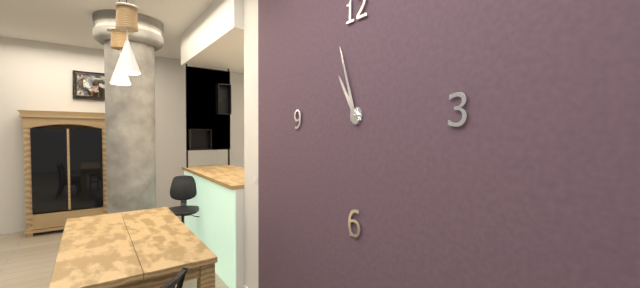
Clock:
10:57
